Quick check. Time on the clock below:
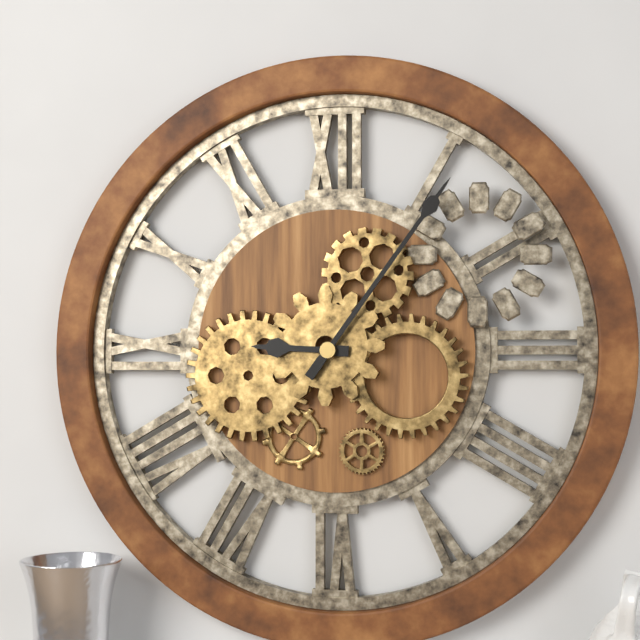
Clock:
9:06
